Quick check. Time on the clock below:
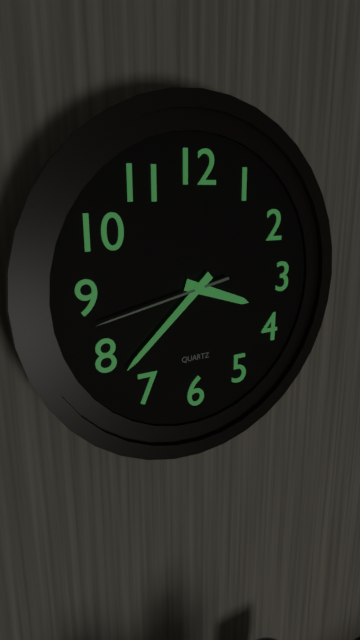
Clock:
3:38:43
